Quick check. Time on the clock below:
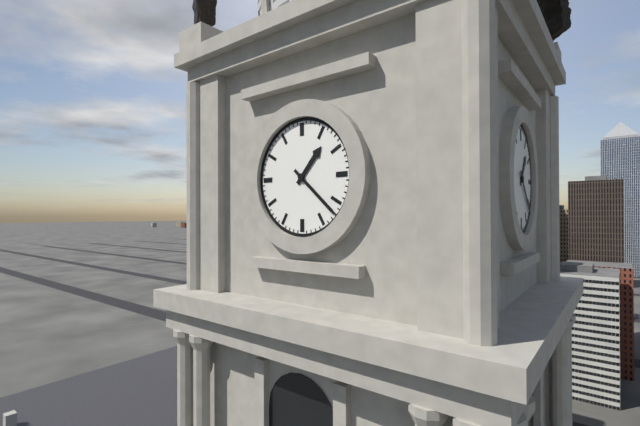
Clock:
1:22
